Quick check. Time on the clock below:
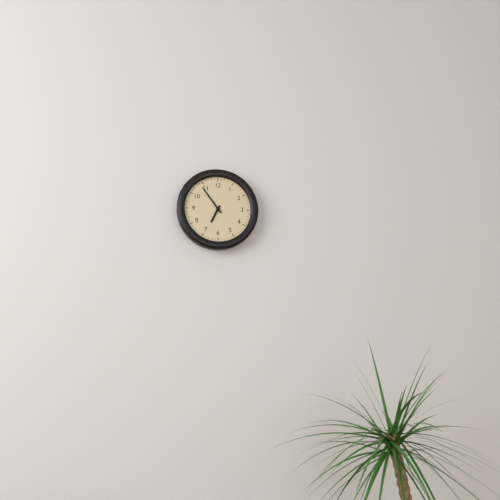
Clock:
6:54
